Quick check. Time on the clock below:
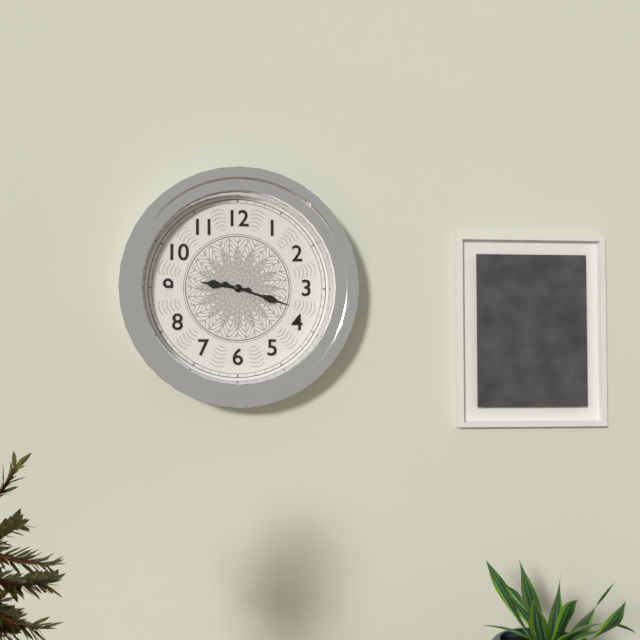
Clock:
9:18
